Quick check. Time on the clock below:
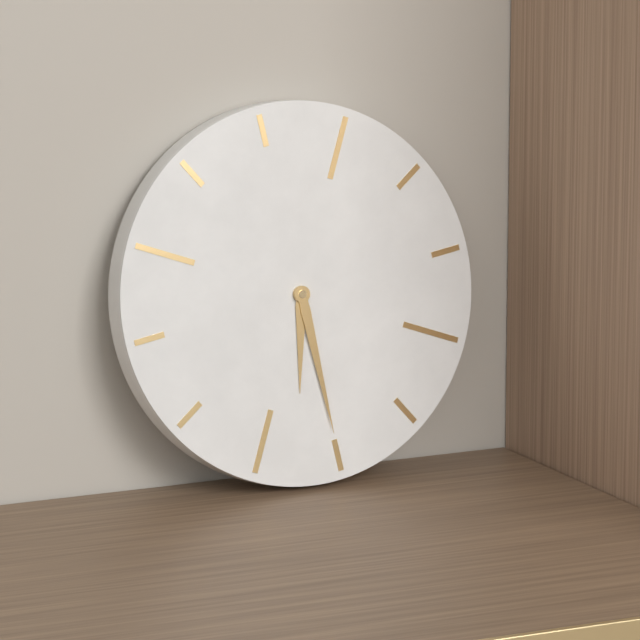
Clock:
6:30
